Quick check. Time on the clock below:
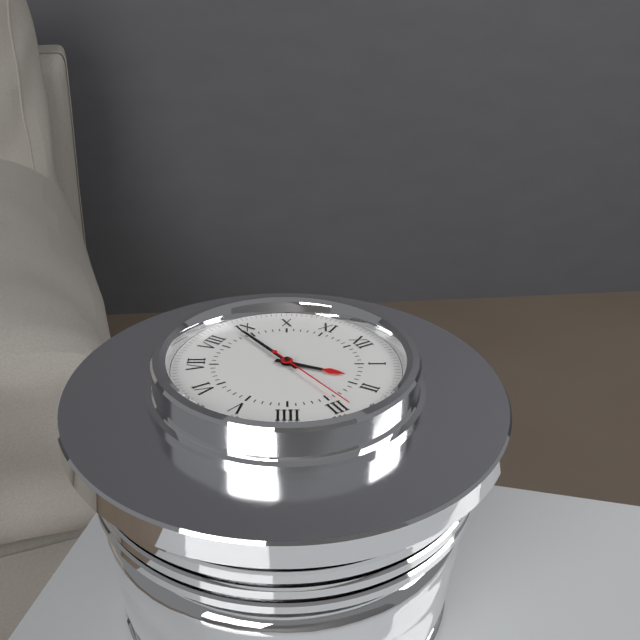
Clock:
1:44:14
